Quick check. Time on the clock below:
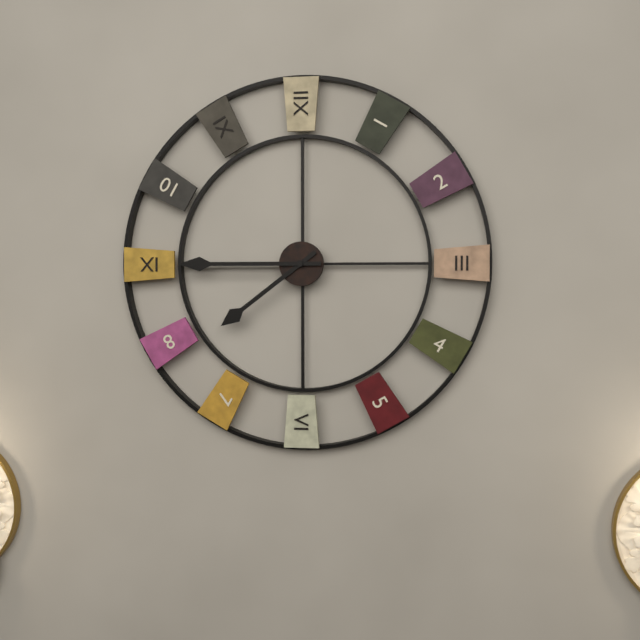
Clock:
7:45
